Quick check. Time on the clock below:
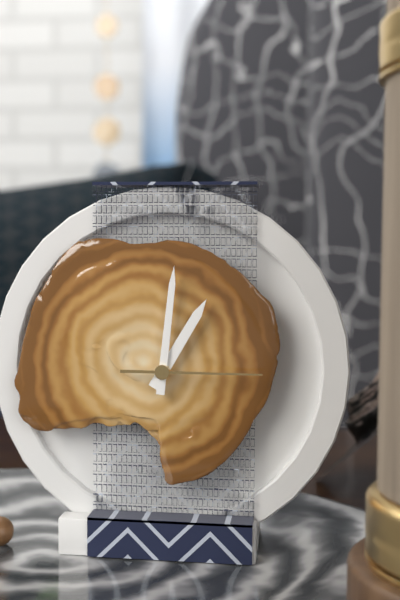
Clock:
1:01:15
